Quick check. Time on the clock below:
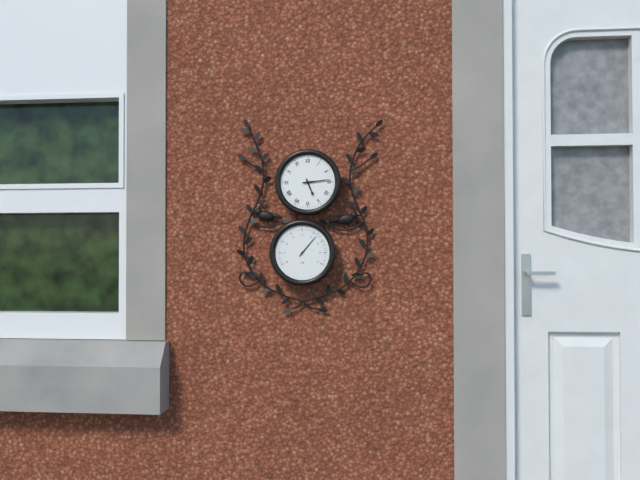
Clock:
5:14
